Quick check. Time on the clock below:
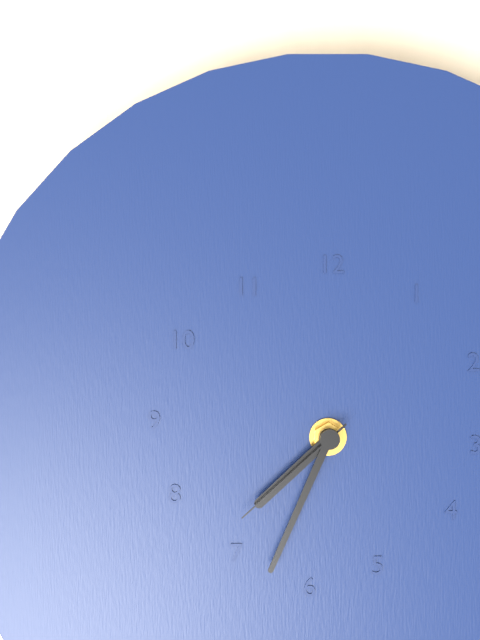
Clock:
7:34:38
